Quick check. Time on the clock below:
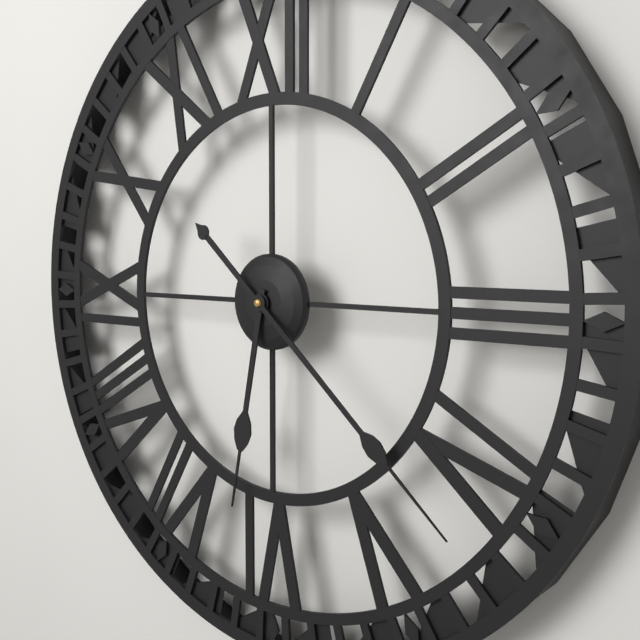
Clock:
6:22
